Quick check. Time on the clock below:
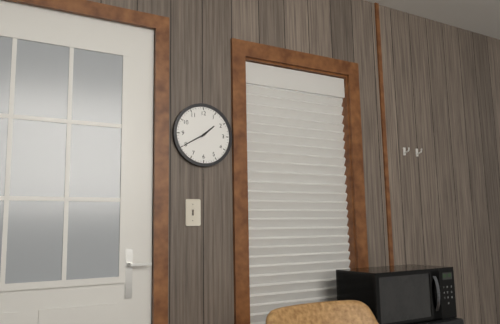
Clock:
1:40
